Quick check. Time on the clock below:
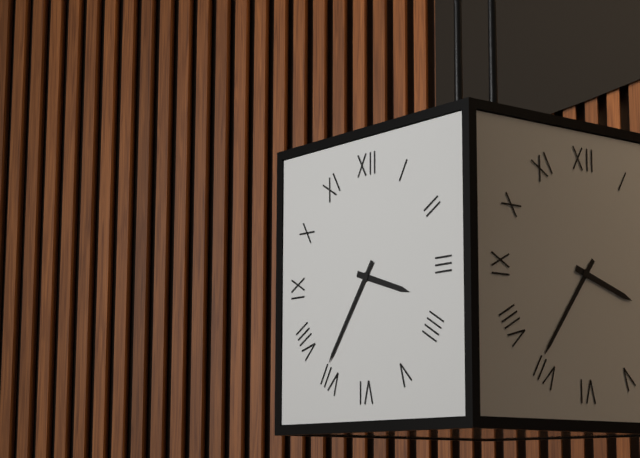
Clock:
3:36
